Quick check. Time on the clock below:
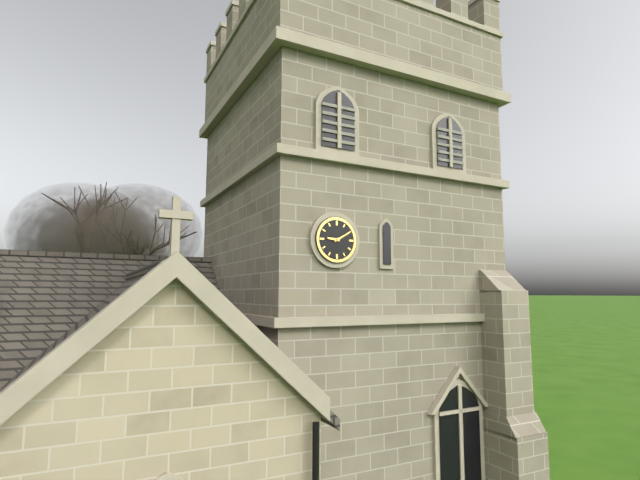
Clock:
9:10
